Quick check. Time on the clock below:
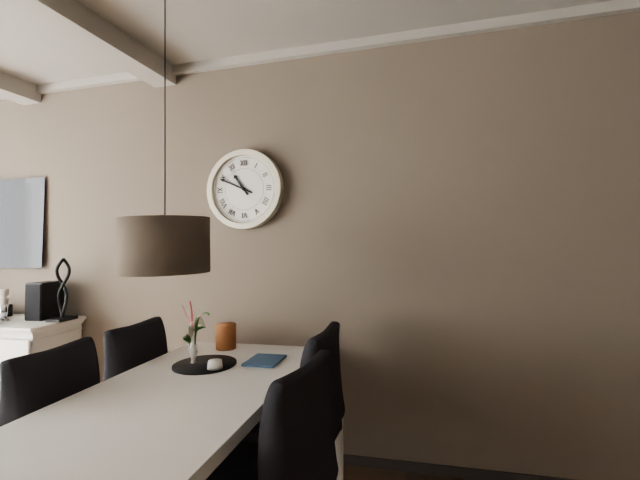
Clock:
10:49
